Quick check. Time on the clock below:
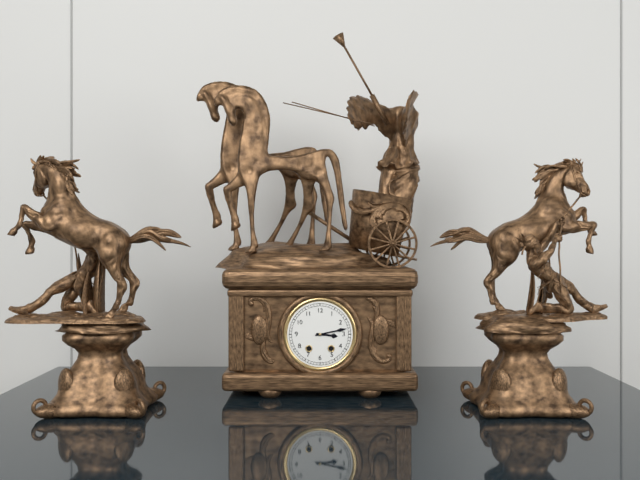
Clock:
3:13
